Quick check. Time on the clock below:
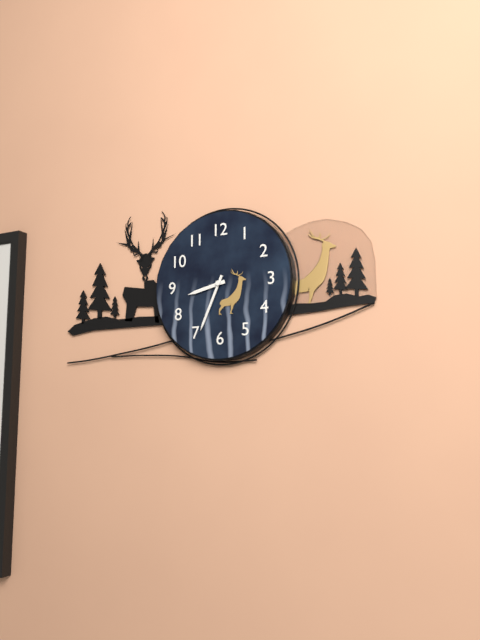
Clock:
8:34
